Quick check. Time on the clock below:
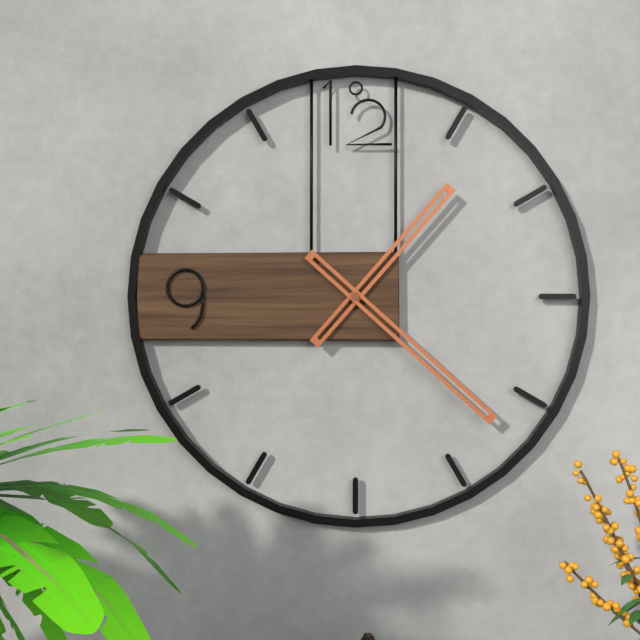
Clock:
1:22
